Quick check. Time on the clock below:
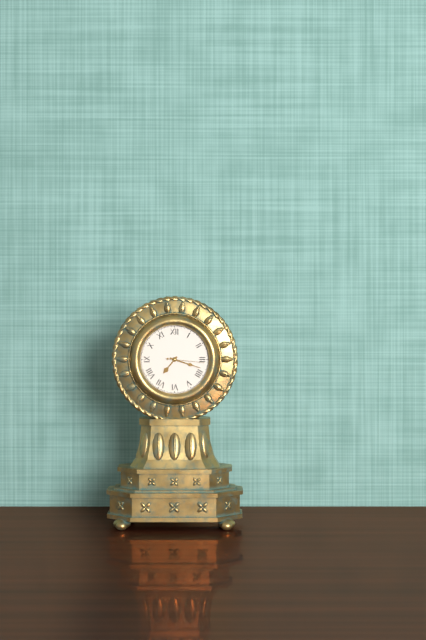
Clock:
7:18
